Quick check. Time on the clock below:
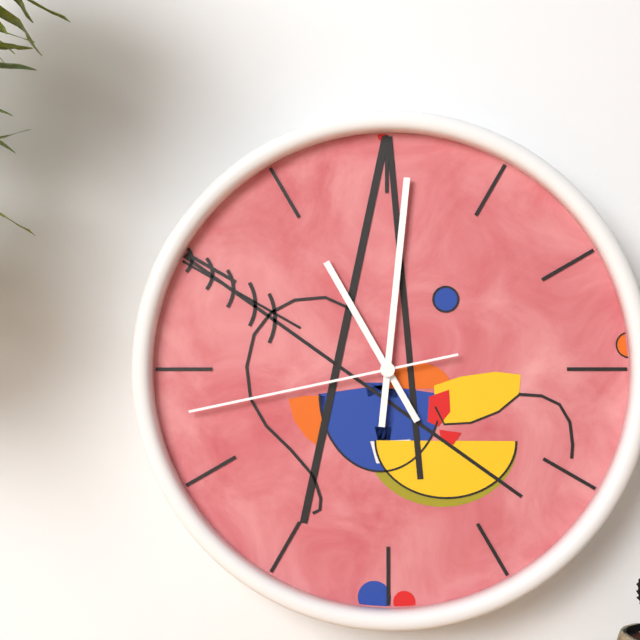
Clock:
11:01:43
